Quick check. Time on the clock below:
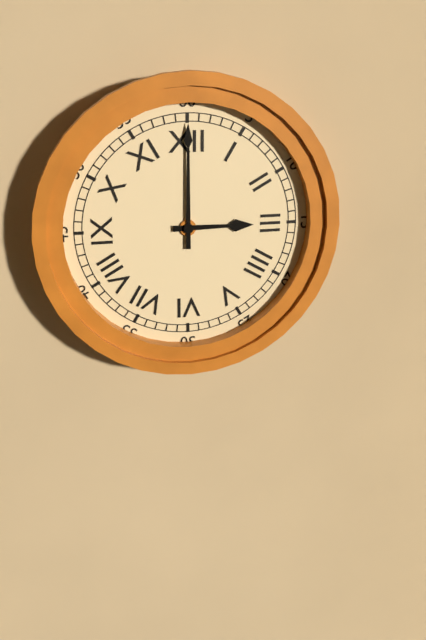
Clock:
3:00
